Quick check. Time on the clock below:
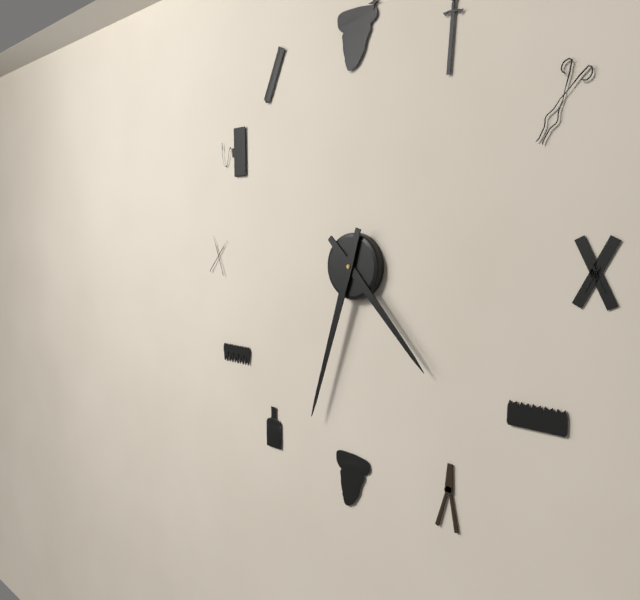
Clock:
4:33
